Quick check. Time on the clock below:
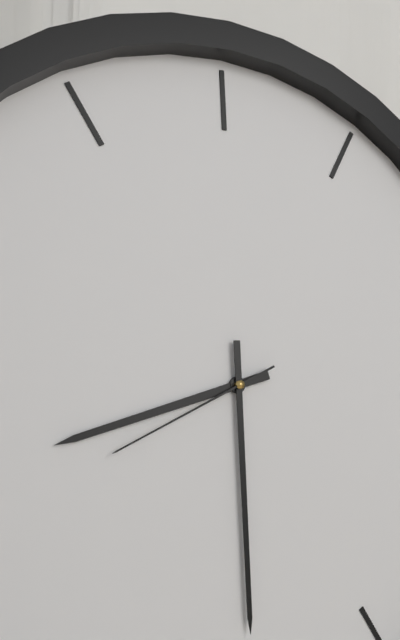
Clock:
8:30:41
